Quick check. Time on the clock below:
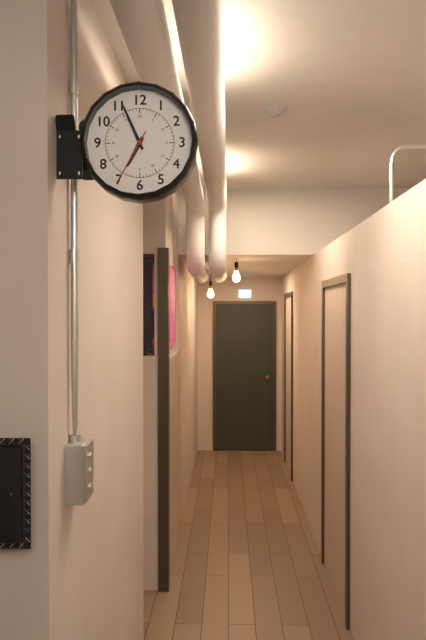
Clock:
6:56:35
